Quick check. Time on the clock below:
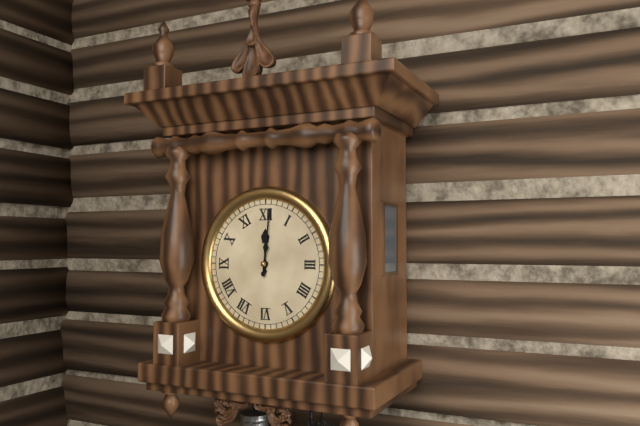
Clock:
12:01
